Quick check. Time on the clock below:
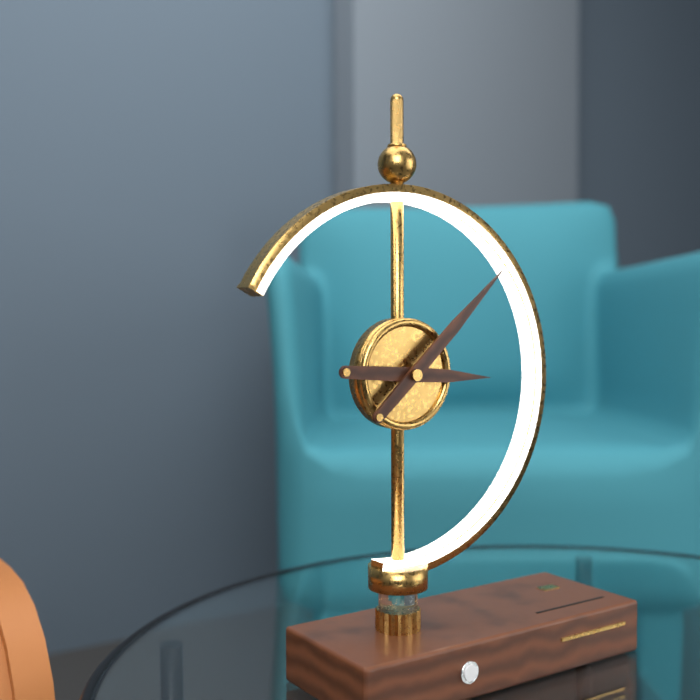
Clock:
3:08
